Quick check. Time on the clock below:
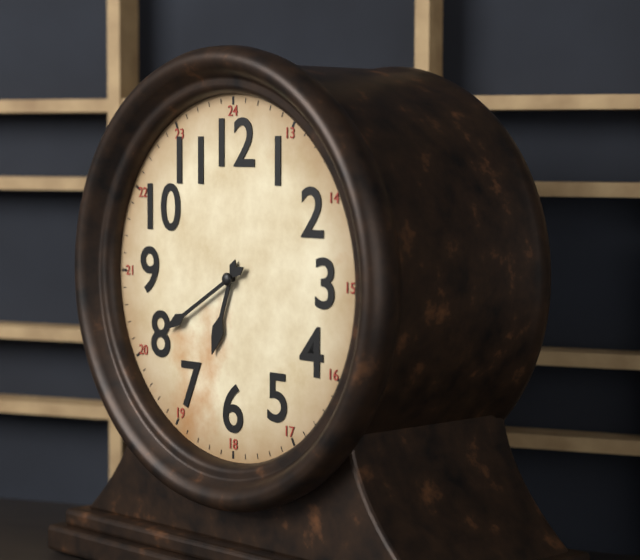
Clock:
6:40
